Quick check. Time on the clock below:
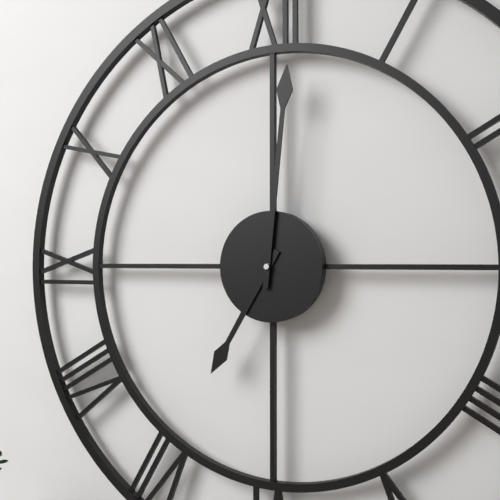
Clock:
7:01
